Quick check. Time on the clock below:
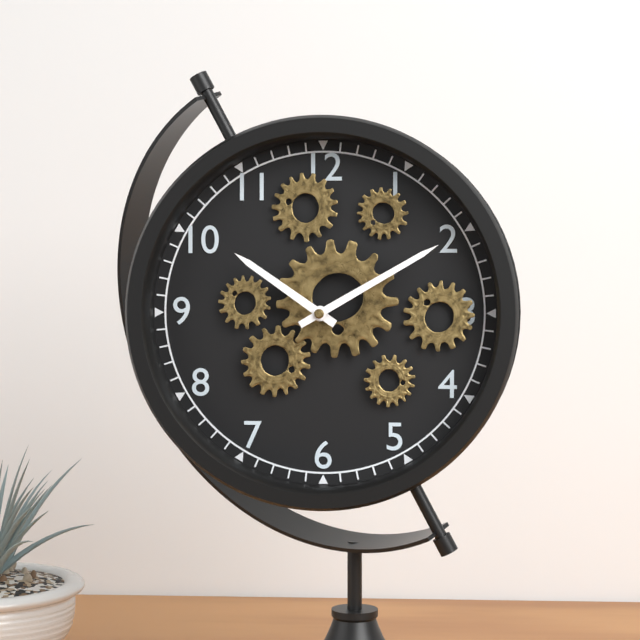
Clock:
10:10
